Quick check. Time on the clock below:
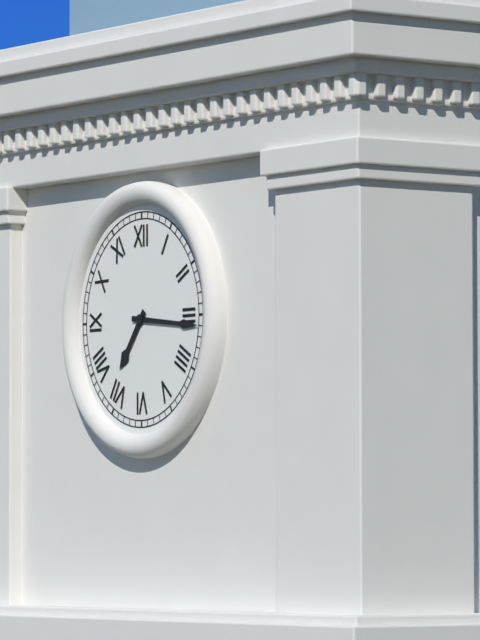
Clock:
7:16
